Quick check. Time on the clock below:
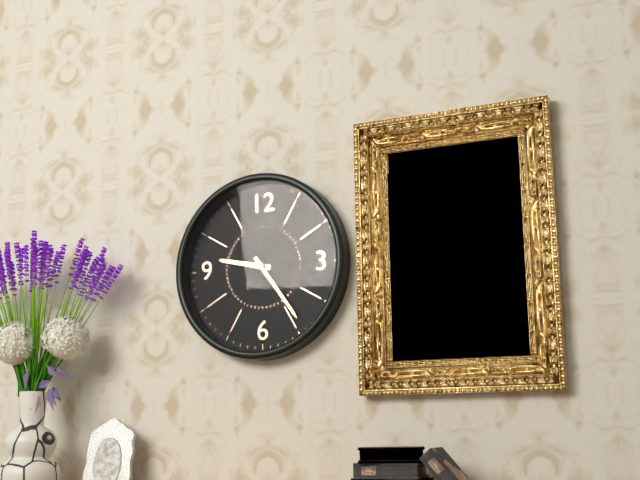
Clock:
9:24
